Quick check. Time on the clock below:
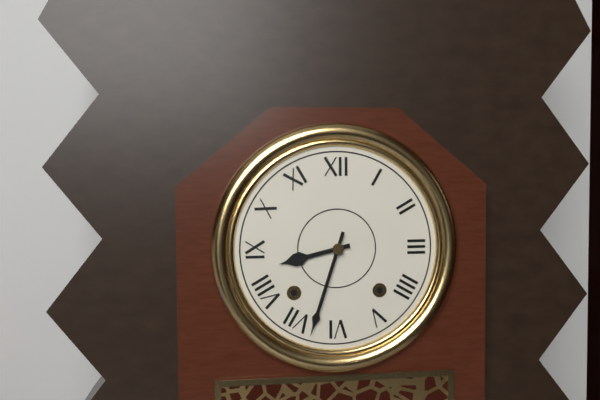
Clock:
8:33
